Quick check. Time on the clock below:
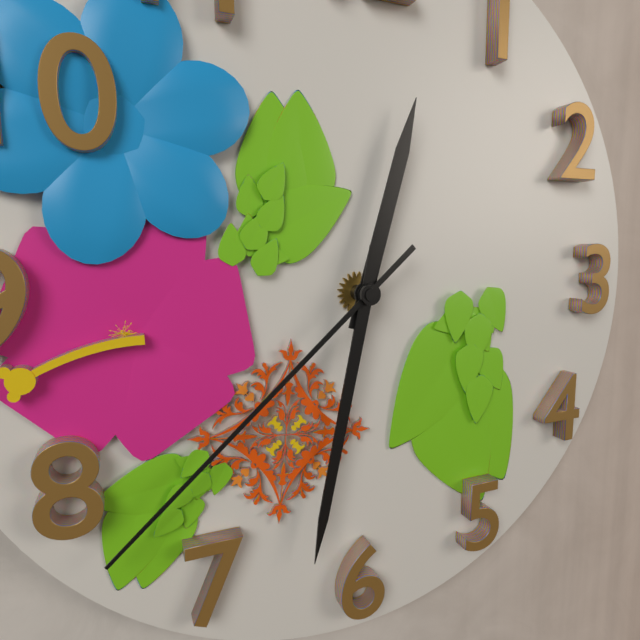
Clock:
12:32:38
